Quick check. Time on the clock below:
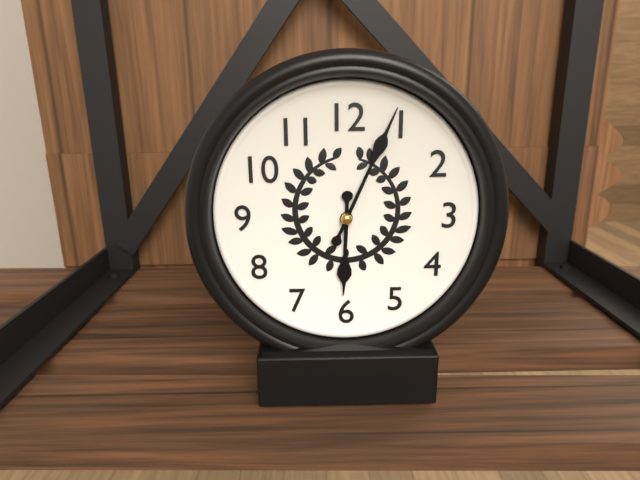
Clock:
6:04
